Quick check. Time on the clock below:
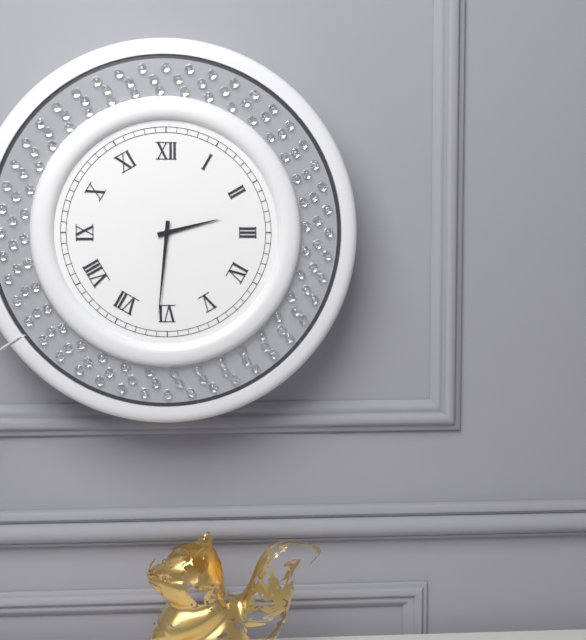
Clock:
2:31
